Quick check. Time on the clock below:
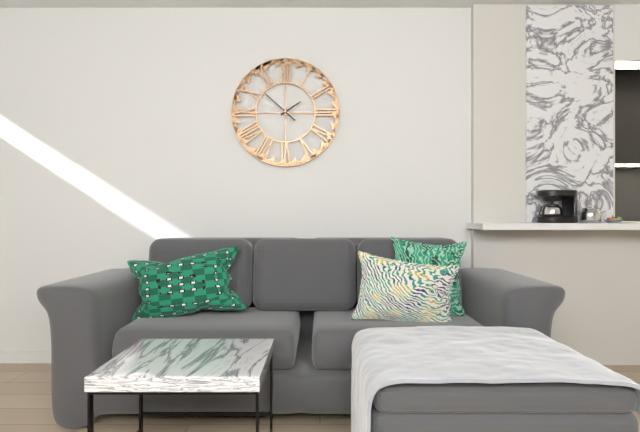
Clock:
1:52
